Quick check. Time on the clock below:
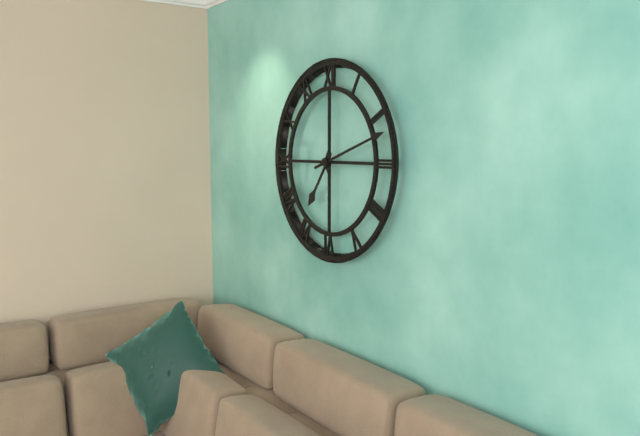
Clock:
7:12
